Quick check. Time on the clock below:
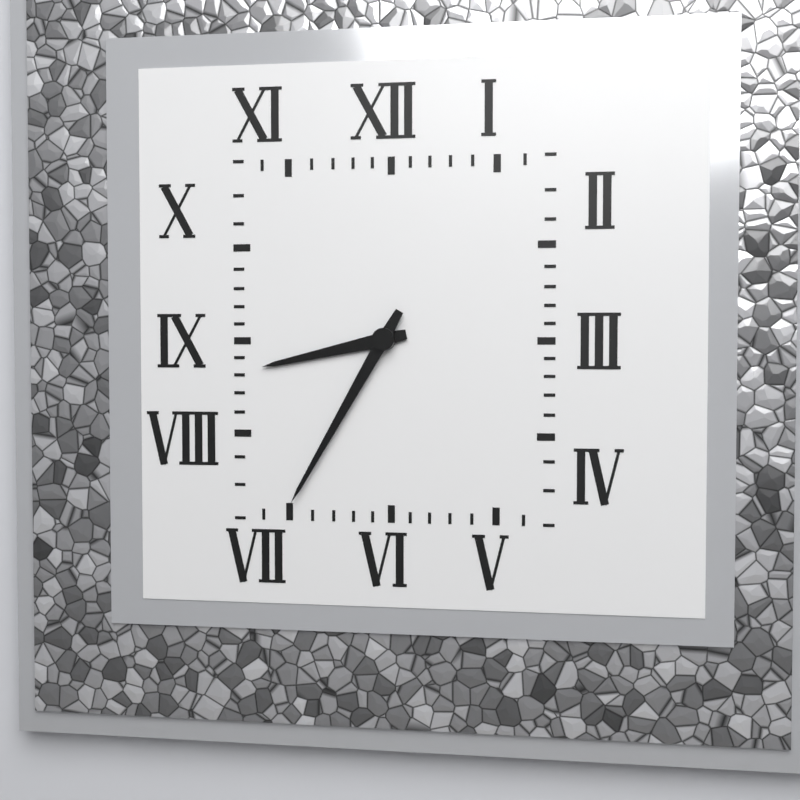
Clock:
8:35
